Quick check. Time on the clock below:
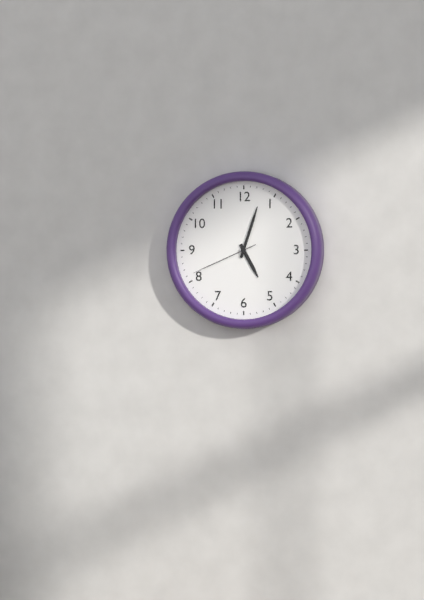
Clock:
5:03:41
